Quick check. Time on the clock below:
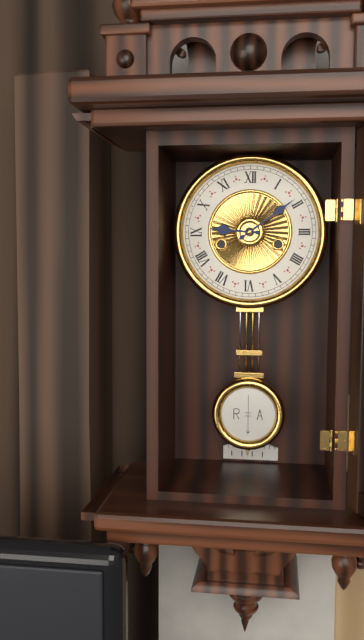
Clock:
9:09
